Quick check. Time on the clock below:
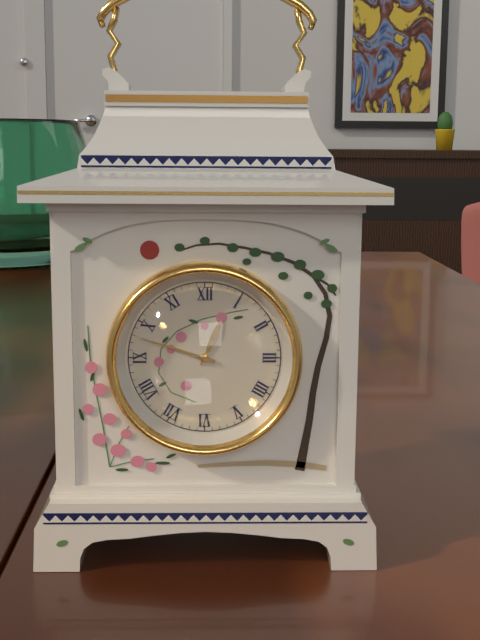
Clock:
12:48
